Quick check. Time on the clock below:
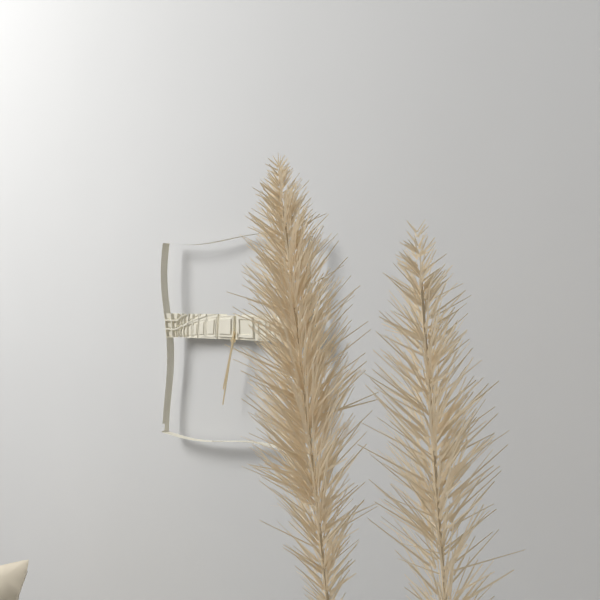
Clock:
6:32
